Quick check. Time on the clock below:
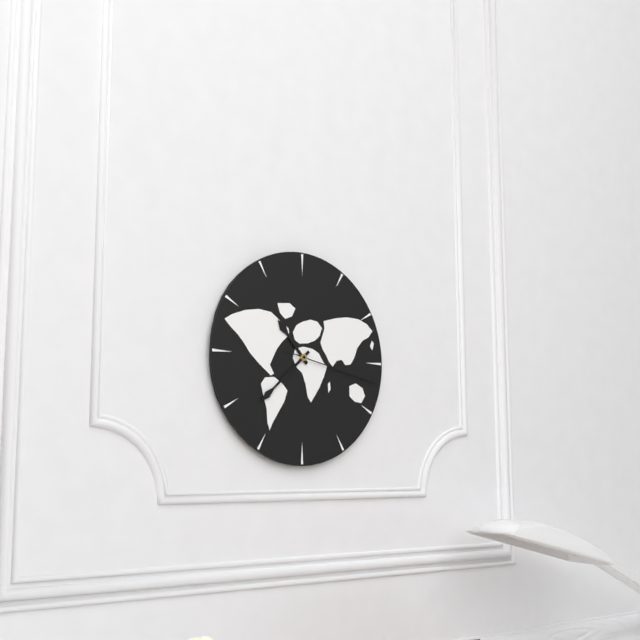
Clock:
10:38:17
